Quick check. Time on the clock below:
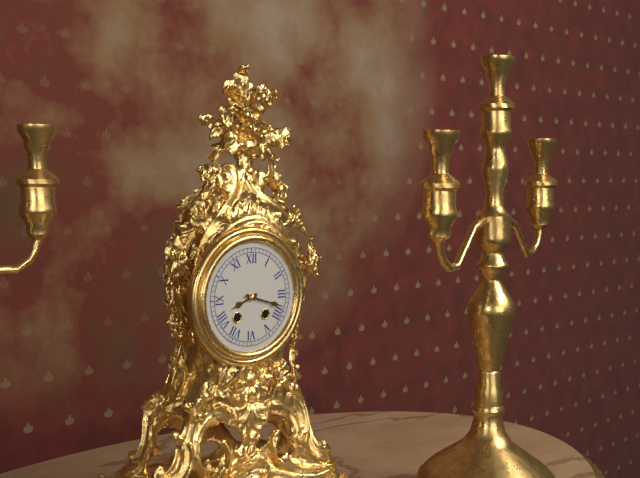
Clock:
8:18
